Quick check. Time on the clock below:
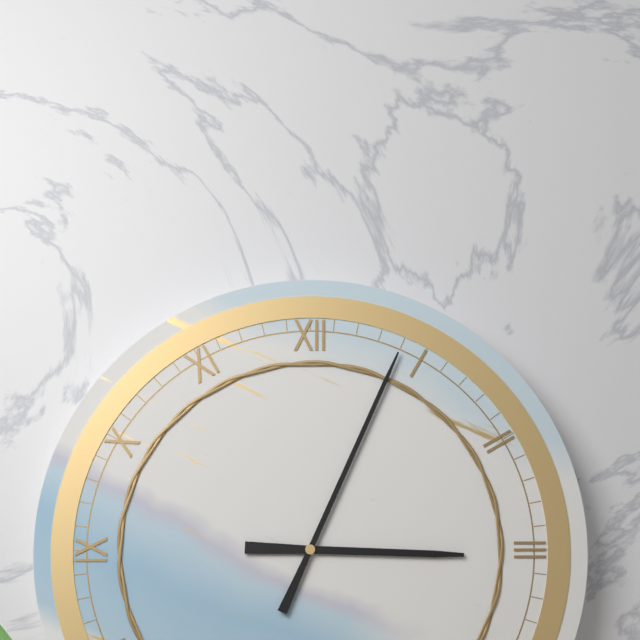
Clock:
3:04
